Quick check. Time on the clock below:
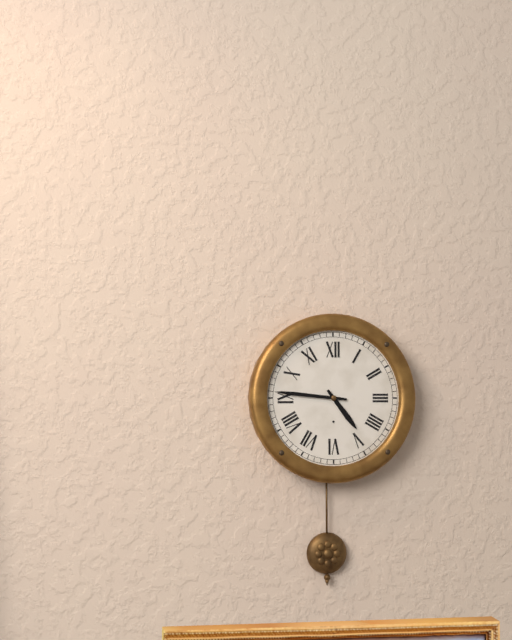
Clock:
4:46
